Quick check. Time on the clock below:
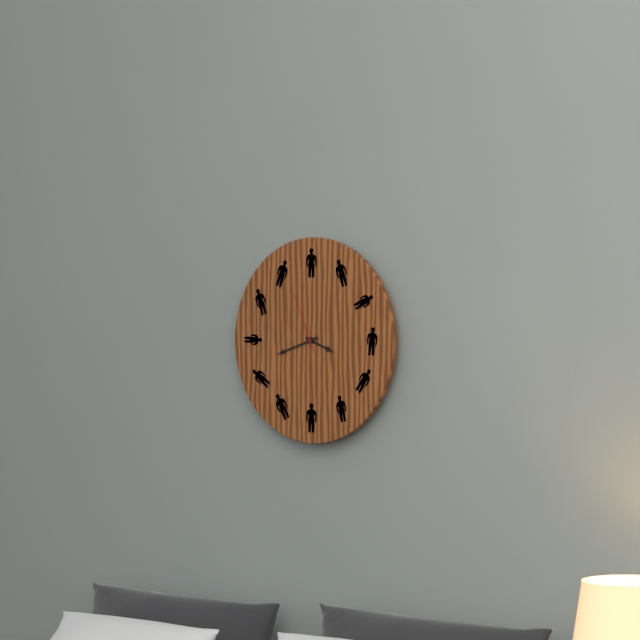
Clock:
3:42:56
